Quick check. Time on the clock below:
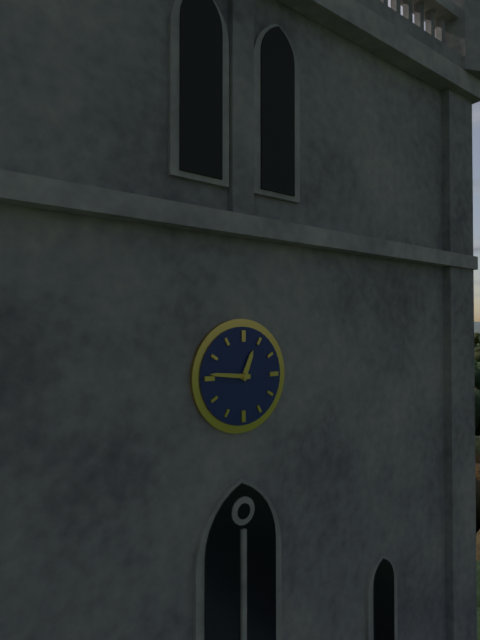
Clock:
12:46
